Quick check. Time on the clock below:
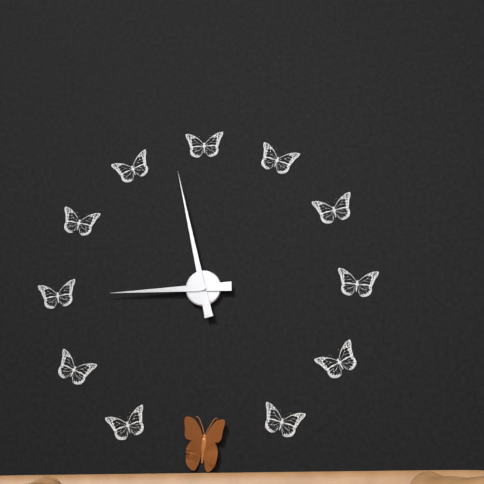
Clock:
8:58
